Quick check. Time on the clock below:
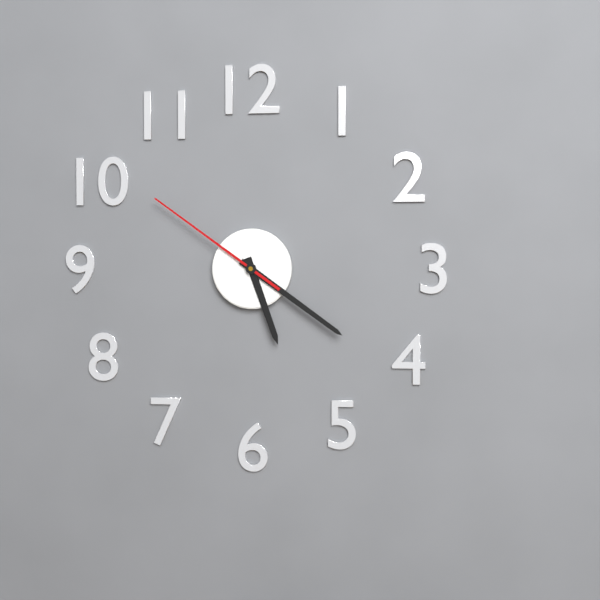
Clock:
5:21:51
